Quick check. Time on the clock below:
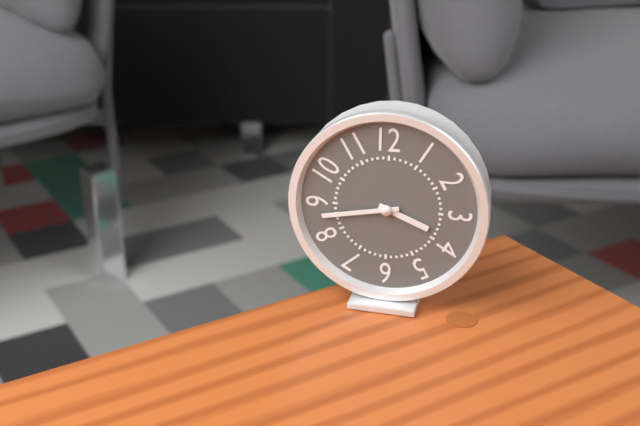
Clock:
3:43
